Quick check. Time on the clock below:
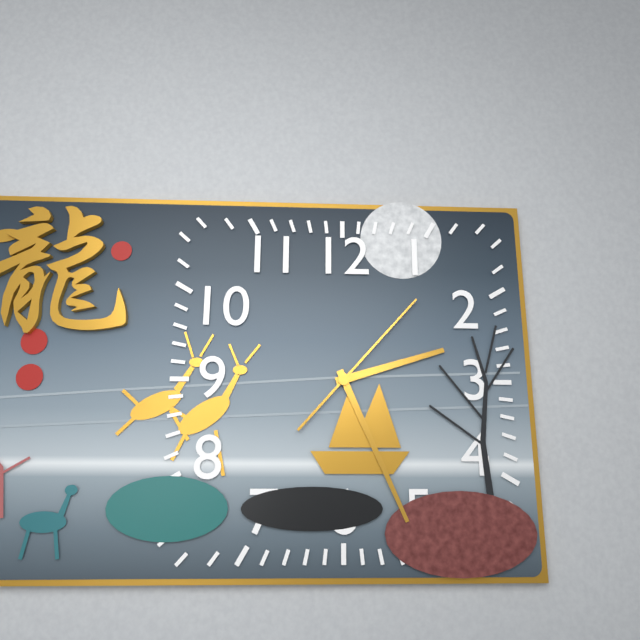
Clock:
2:26:07
